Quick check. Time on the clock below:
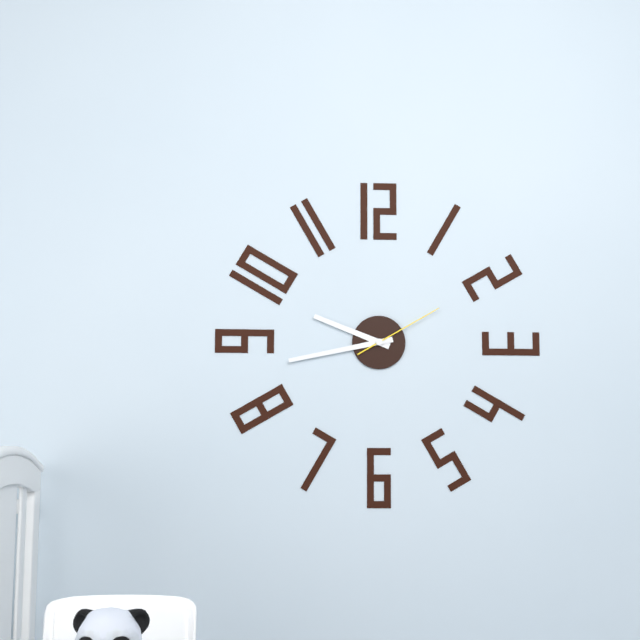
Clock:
9:43:10
